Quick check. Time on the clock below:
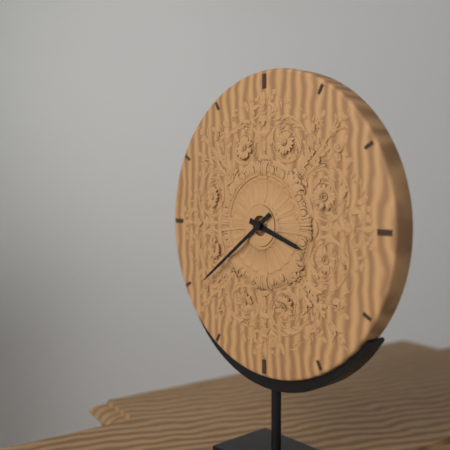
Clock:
3:39
